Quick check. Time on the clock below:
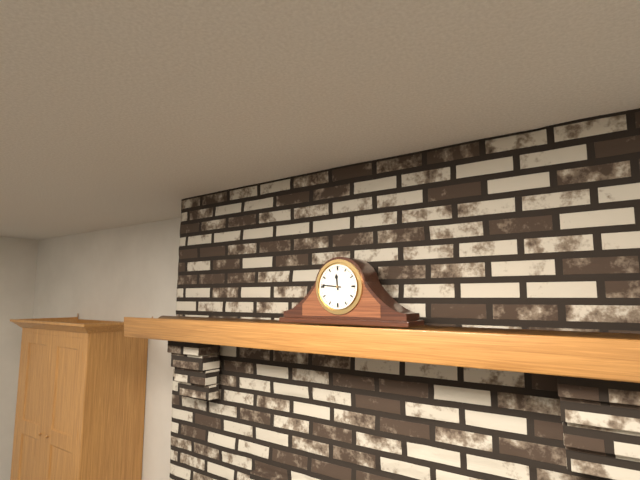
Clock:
11:46
